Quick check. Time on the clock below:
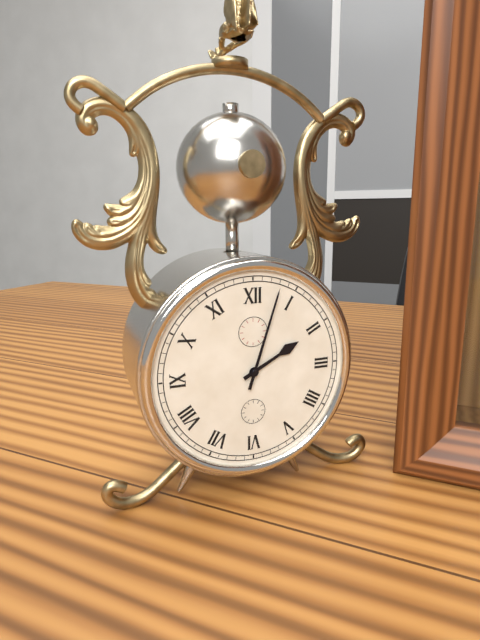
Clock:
2:03
